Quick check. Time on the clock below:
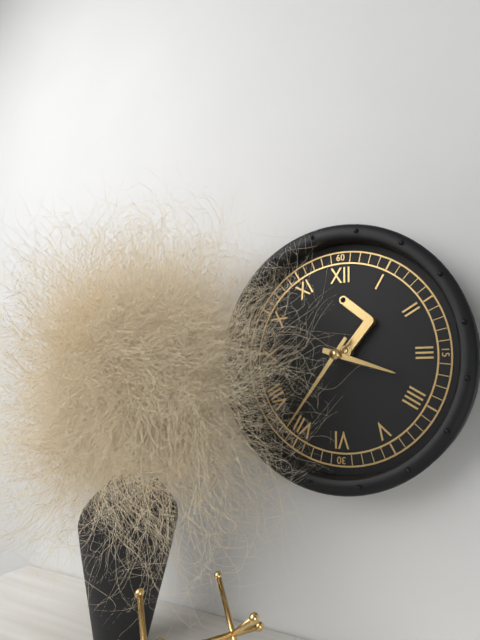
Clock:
3:36
